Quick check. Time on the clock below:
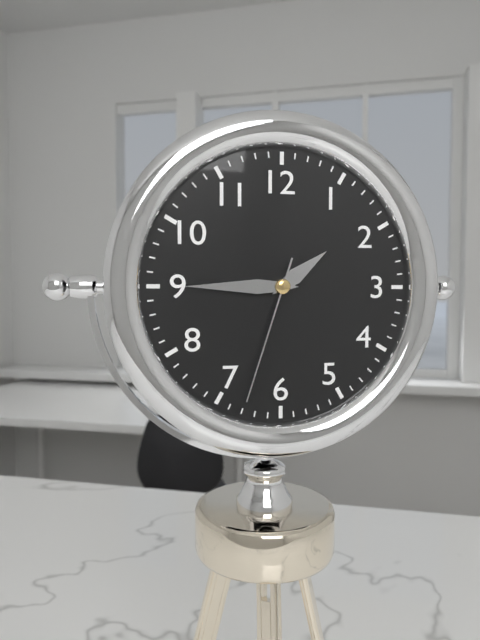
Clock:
1:45:33
